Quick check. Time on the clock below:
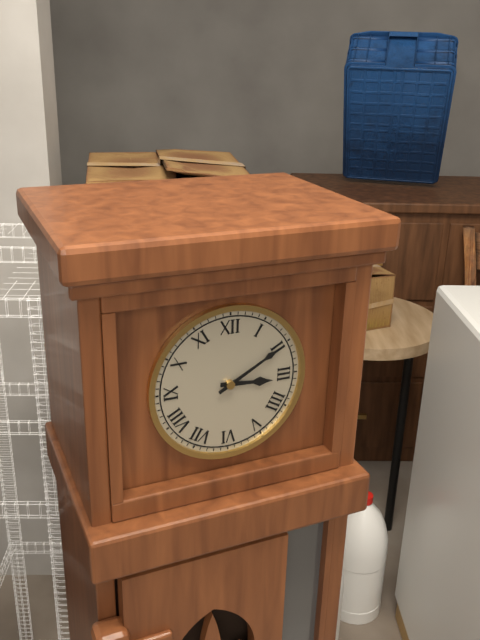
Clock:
3:10
